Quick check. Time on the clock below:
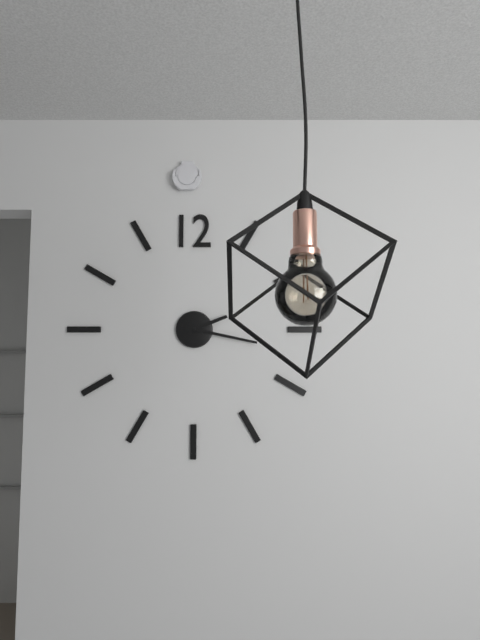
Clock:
2:17
